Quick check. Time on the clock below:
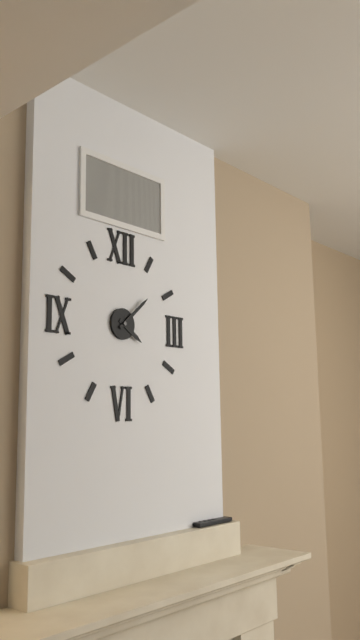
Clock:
4:08
